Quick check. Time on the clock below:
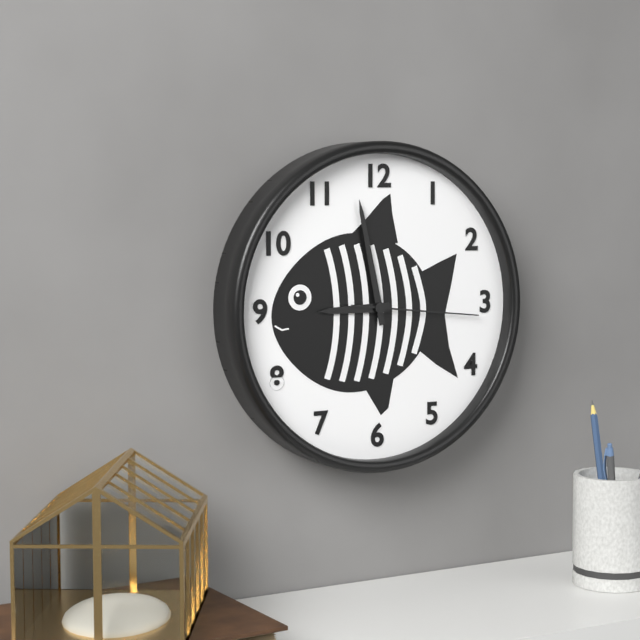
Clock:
8:58:16
